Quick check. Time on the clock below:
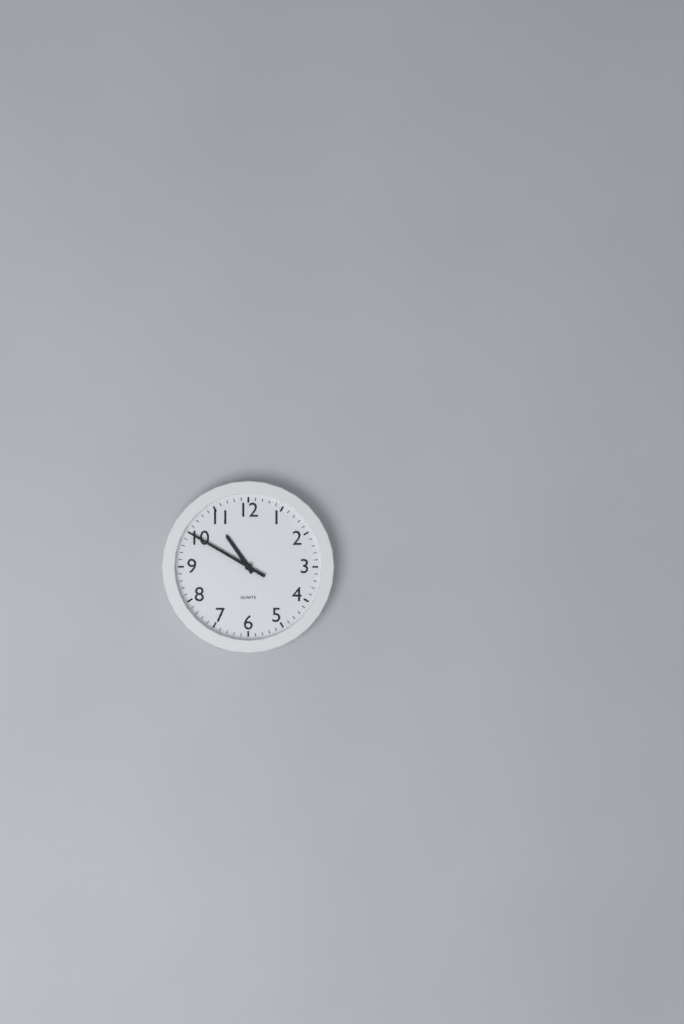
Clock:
10:50
